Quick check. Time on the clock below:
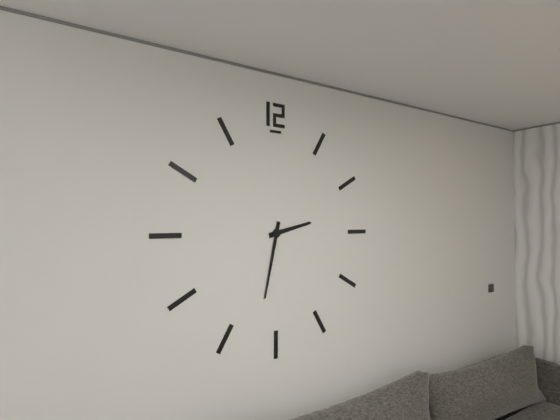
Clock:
2:32
